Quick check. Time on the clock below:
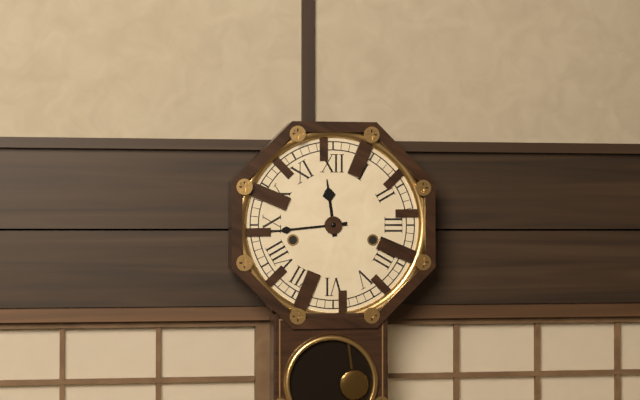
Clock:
11:44
